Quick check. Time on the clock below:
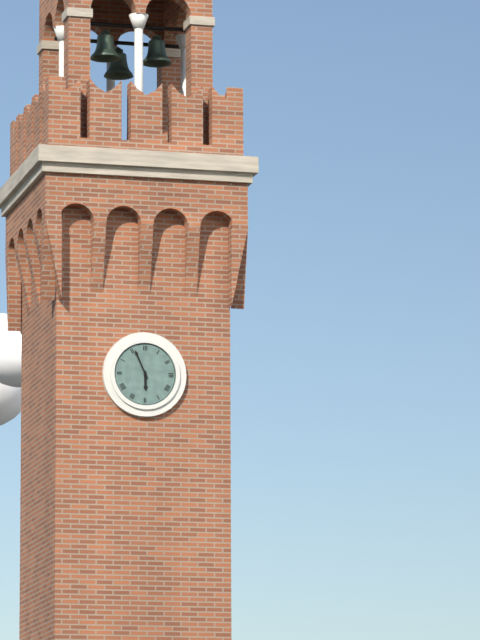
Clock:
5:56
